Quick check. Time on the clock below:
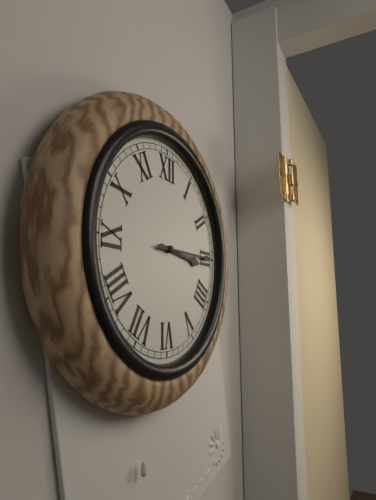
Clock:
3:15
